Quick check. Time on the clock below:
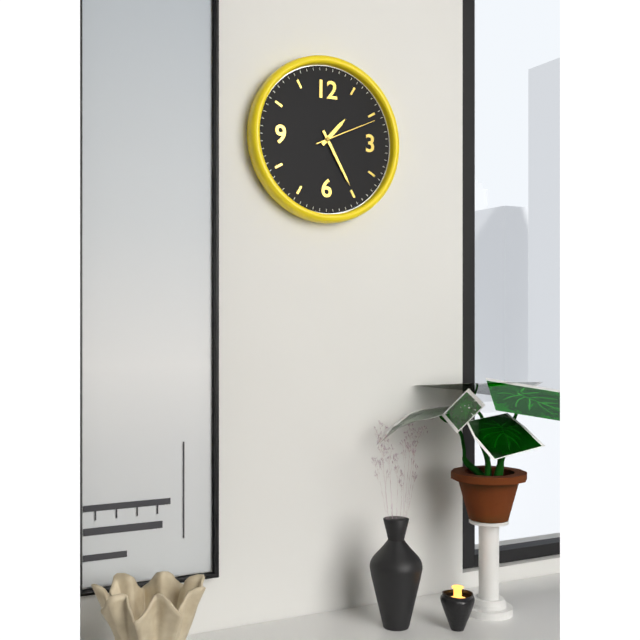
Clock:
1:25:11
